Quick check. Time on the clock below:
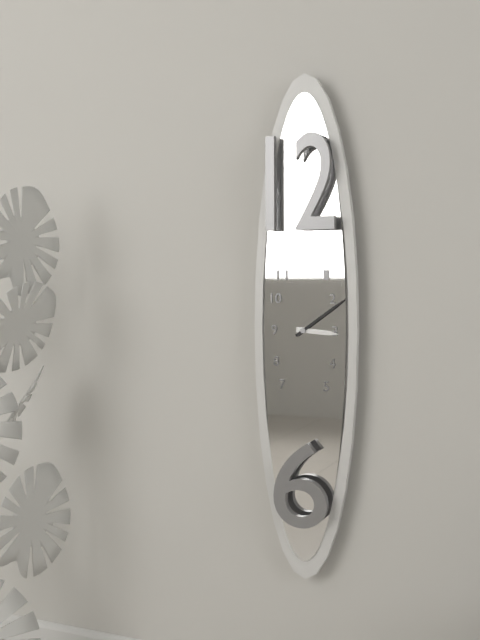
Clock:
3:09
